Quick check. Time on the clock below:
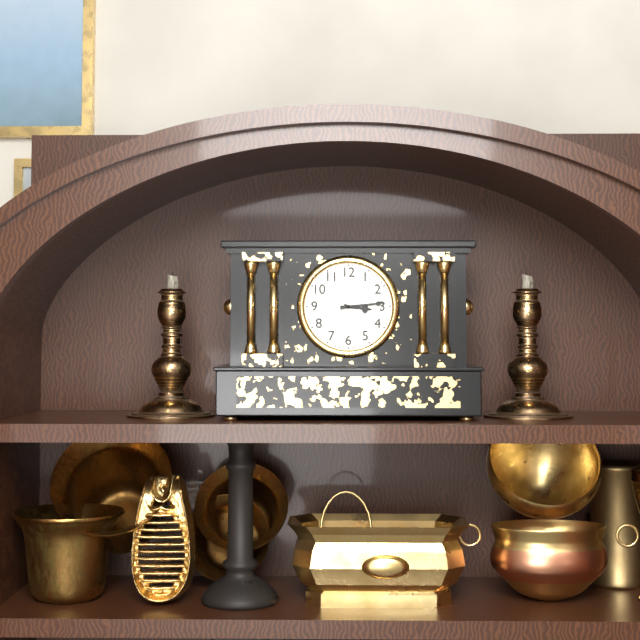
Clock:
3:14
